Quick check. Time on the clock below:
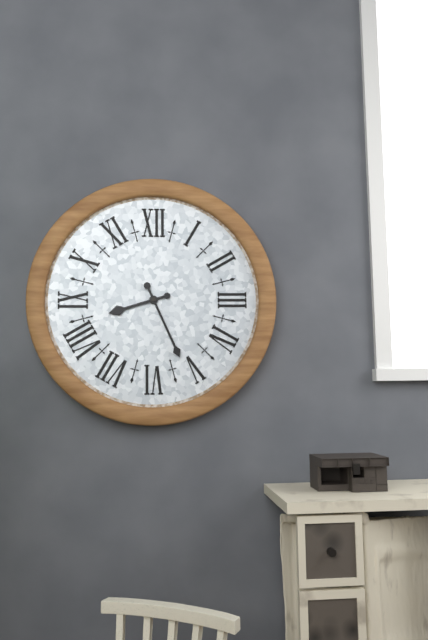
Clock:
8:26
